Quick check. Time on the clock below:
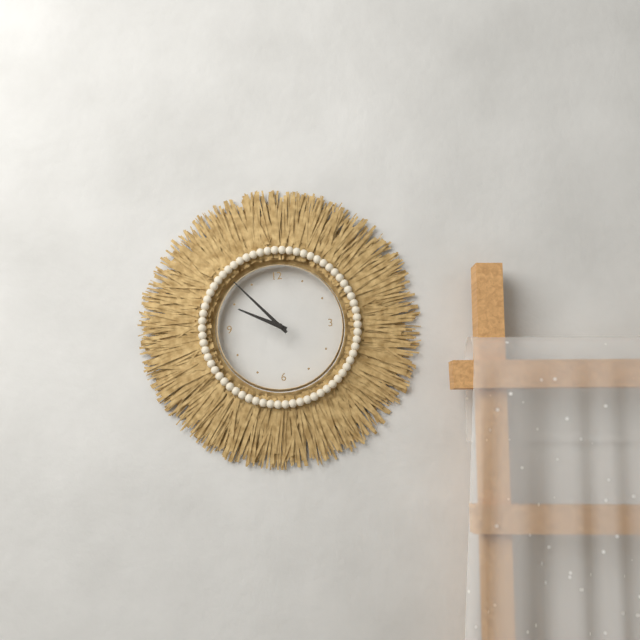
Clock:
9:53
